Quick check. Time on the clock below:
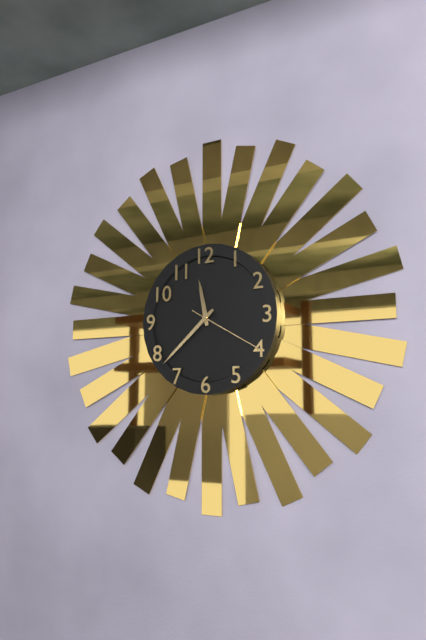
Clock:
11:38:20
